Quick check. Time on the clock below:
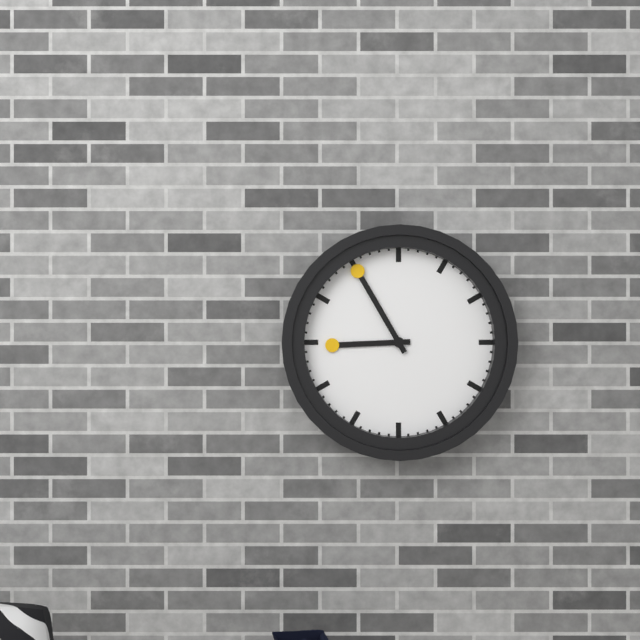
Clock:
8:55
